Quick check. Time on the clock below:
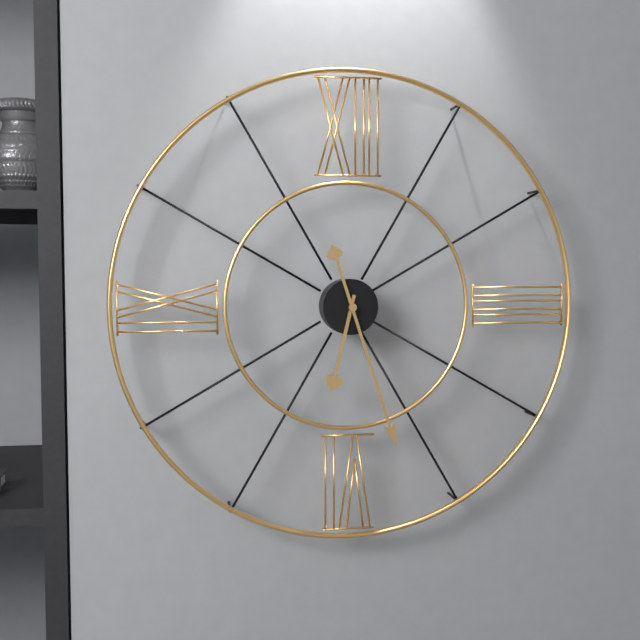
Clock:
6:27
